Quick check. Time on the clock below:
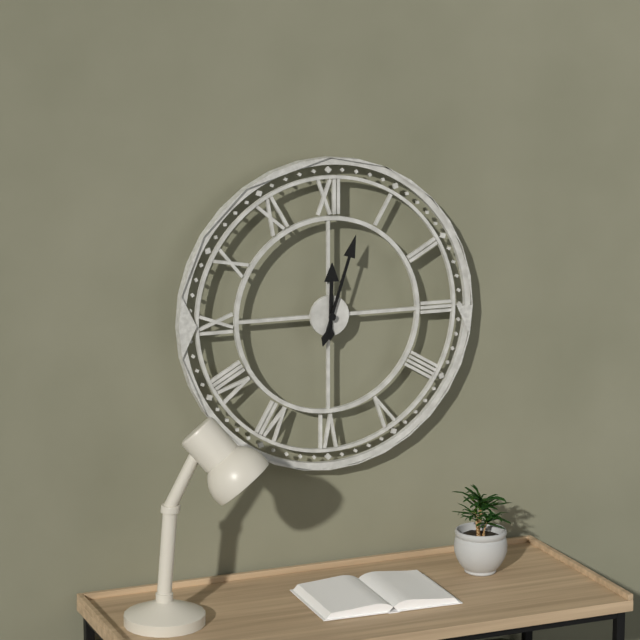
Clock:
12:03
